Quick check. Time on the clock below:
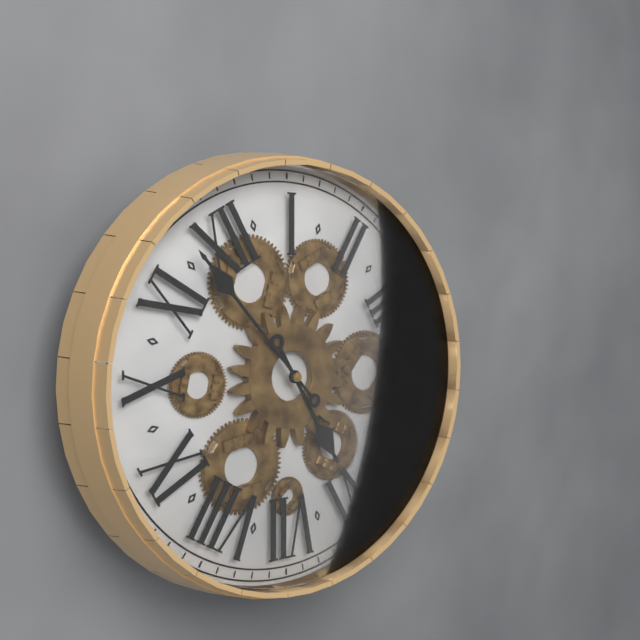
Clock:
5:58
